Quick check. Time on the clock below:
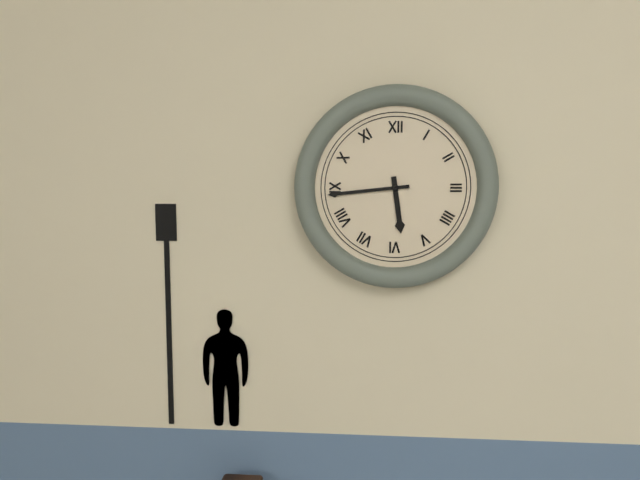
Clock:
5:44
